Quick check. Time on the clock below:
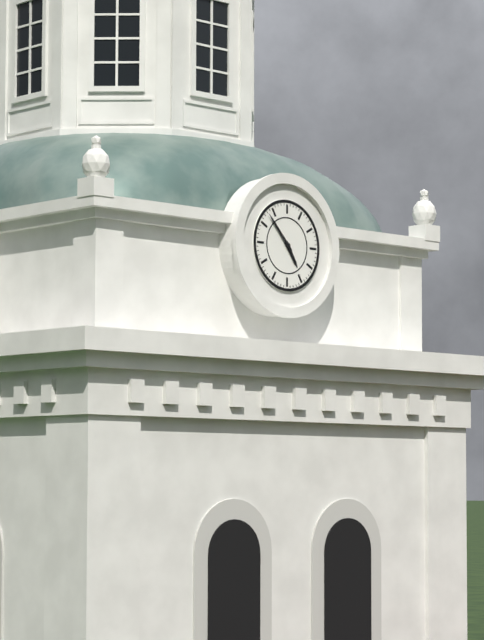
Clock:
4:53
